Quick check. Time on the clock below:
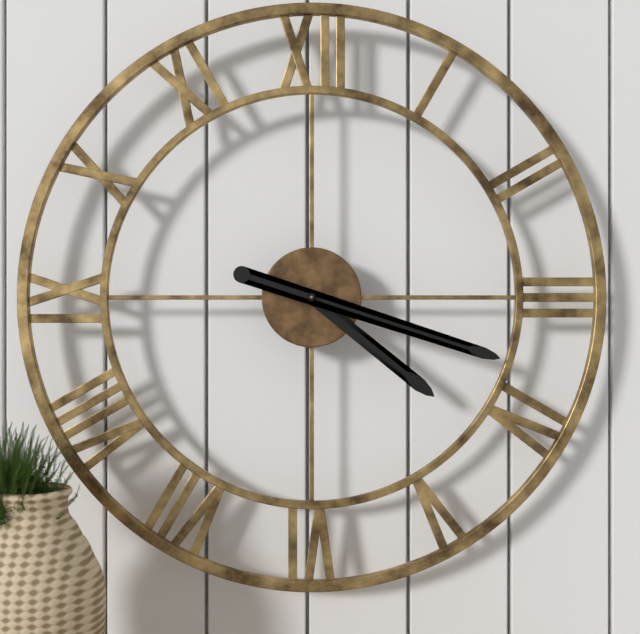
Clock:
4:18
